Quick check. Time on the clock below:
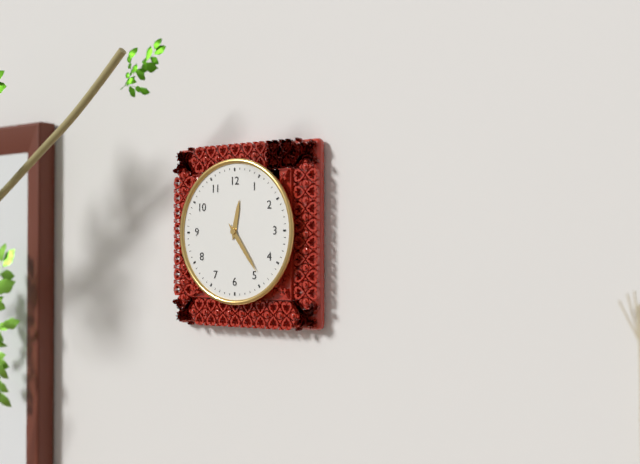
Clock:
12:24
